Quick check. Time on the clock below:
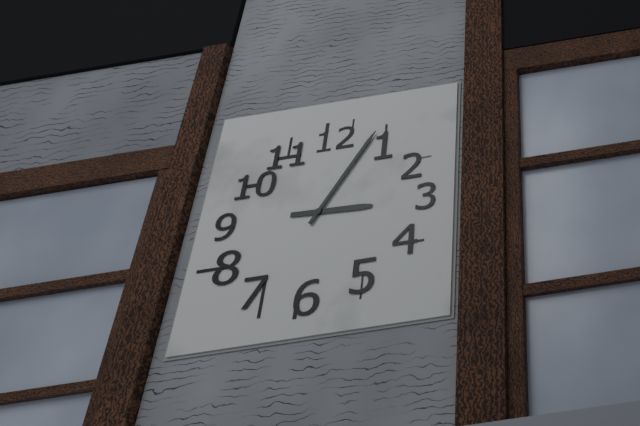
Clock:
3:05
